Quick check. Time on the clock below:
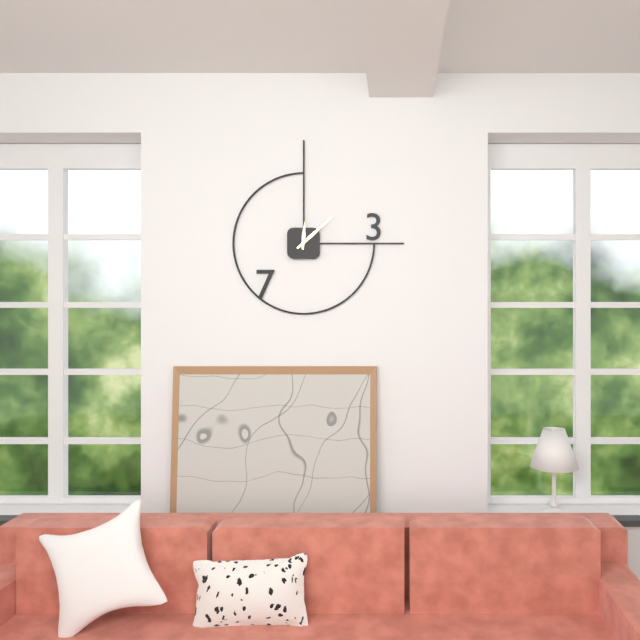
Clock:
12:08
